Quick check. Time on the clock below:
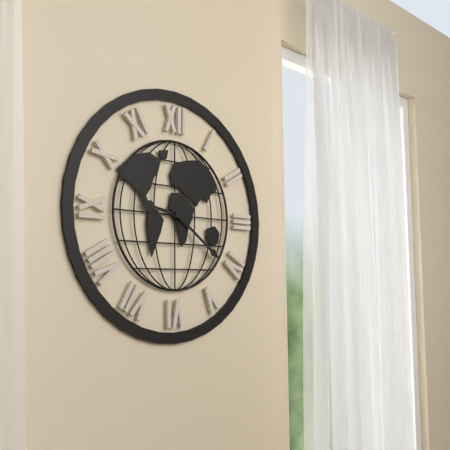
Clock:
9:21
